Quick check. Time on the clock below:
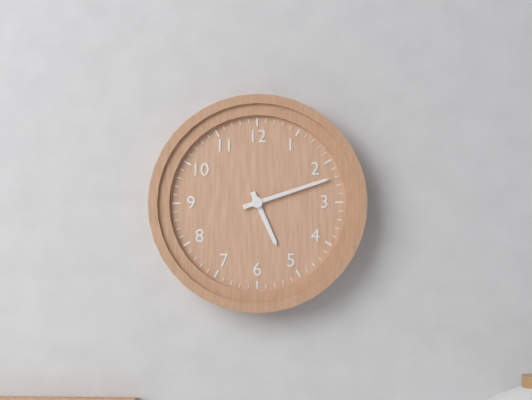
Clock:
5:12
